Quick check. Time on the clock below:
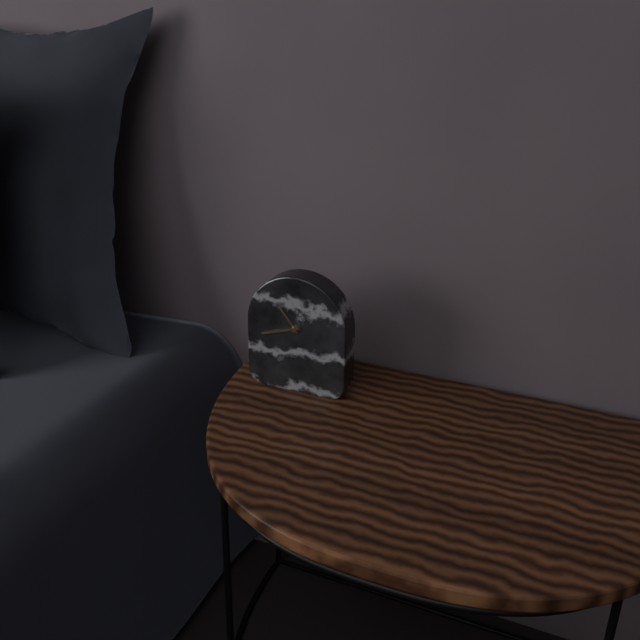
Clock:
10:42
